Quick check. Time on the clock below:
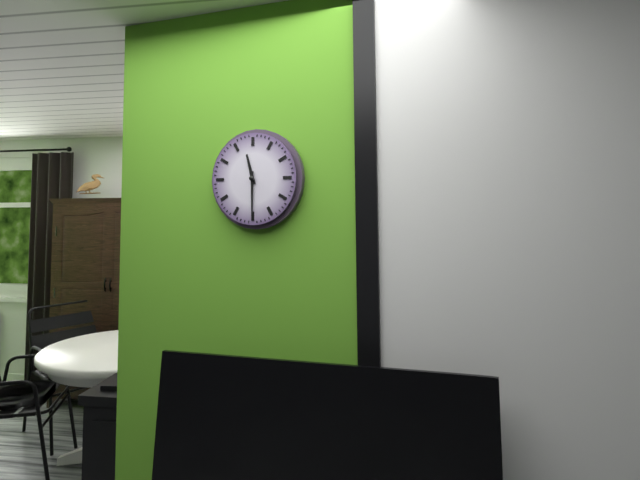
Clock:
11:30
